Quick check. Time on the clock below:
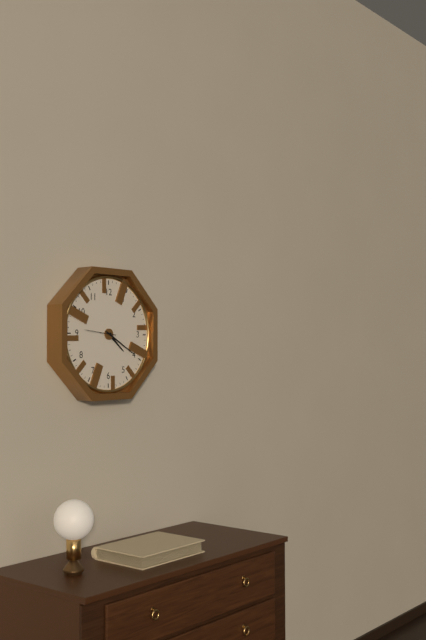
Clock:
4:20
